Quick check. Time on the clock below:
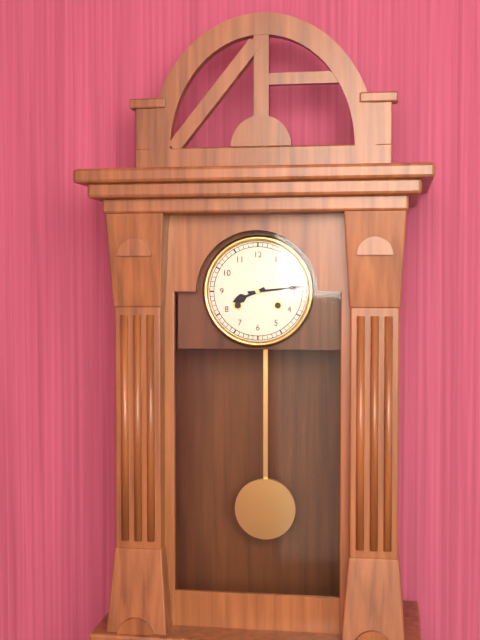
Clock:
8:14
